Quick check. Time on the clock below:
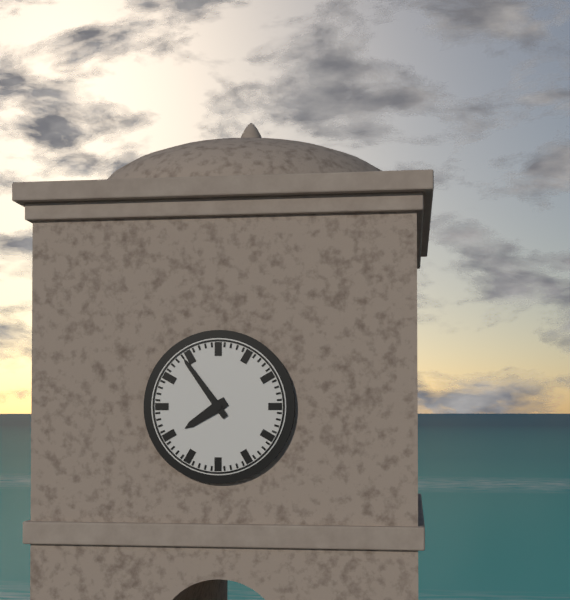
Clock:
7:54
